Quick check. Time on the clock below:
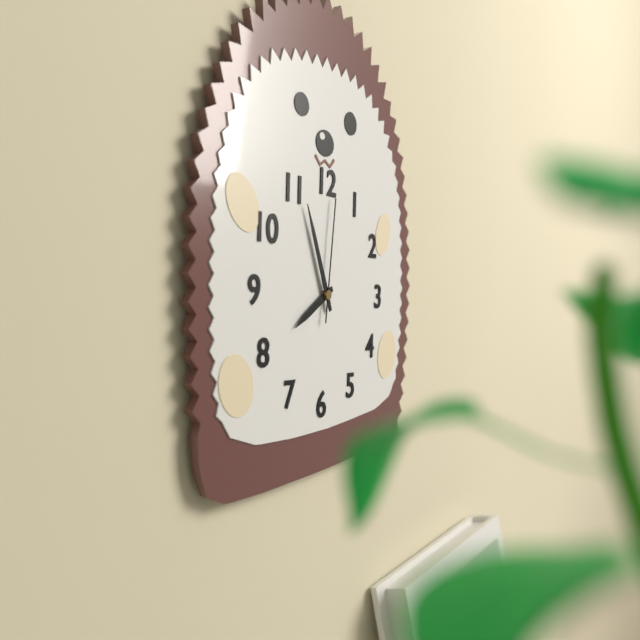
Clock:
7:56:01
